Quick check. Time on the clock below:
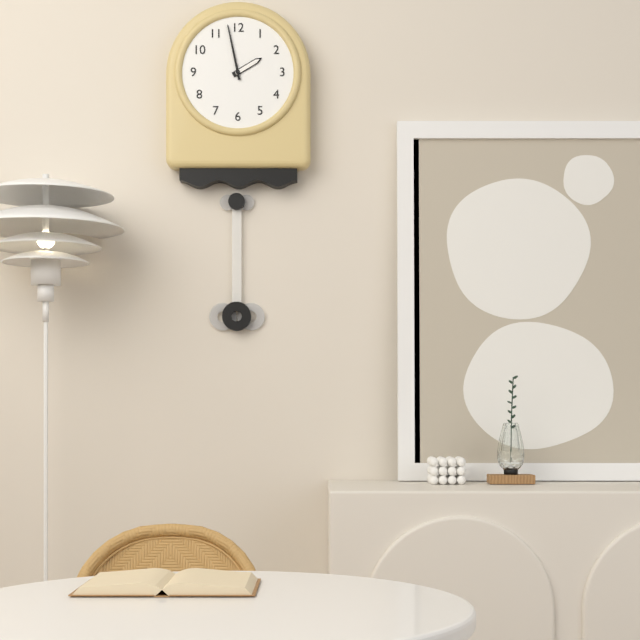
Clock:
1:58
